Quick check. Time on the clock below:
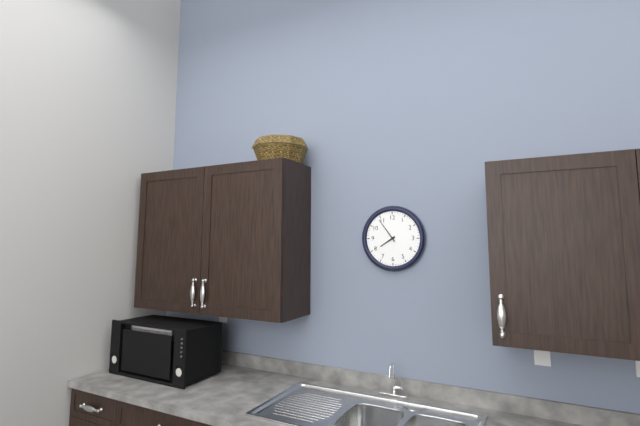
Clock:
7:54
